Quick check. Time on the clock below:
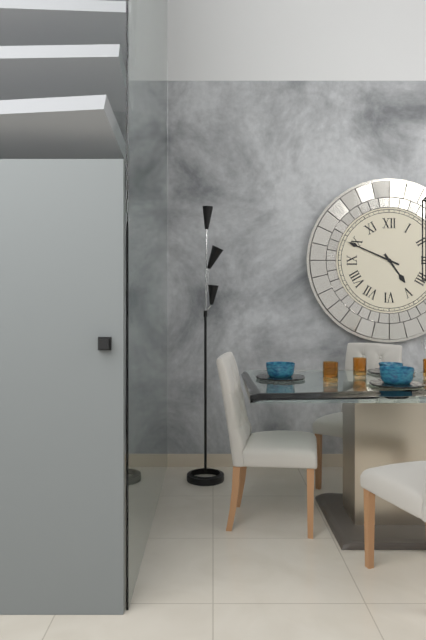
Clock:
4:49
